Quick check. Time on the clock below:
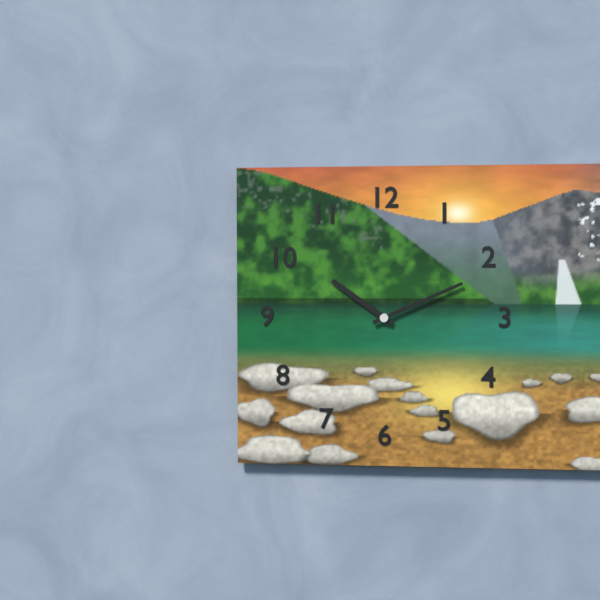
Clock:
10:11
